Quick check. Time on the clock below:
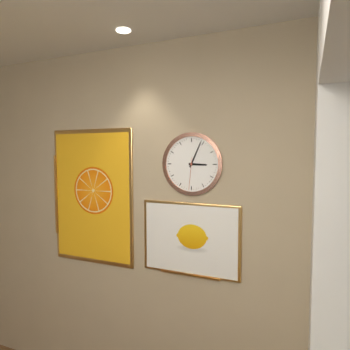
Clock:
3:04
